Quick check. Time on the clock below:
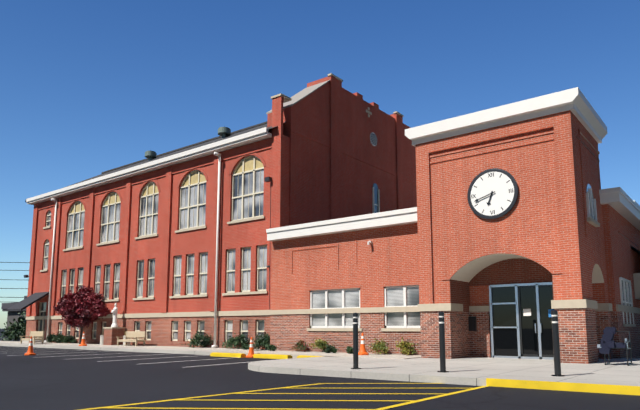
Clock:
6:42
